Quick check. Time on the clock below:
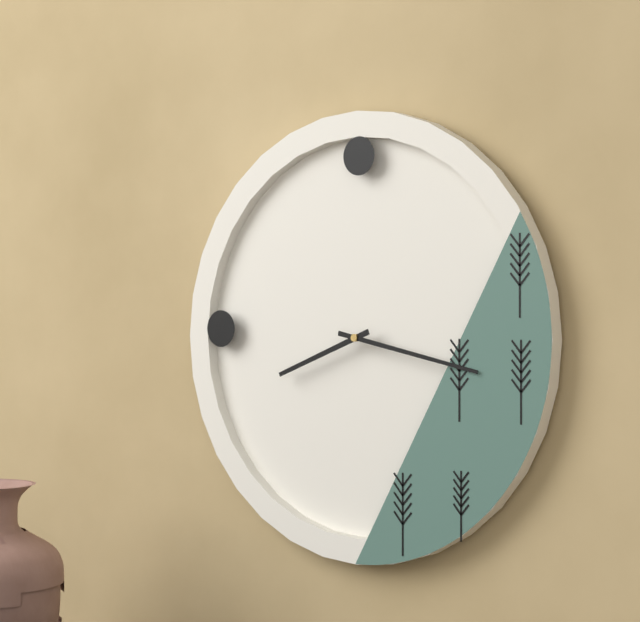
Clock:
8:17
